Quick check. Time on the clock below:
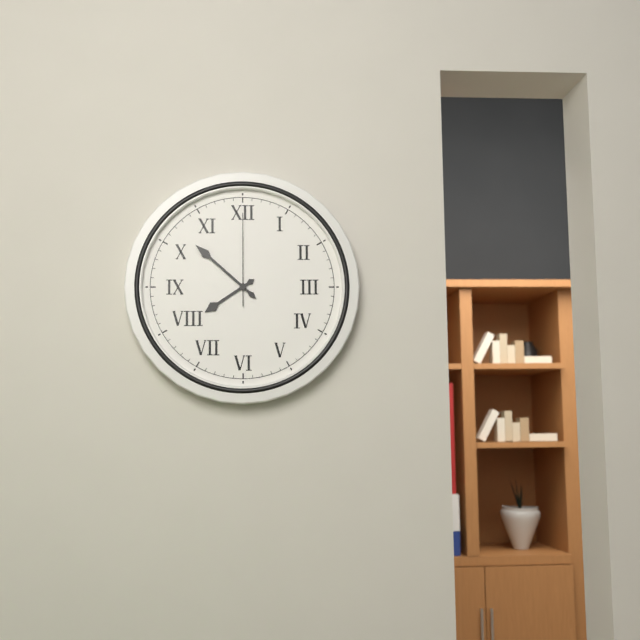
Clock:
7:52:00
